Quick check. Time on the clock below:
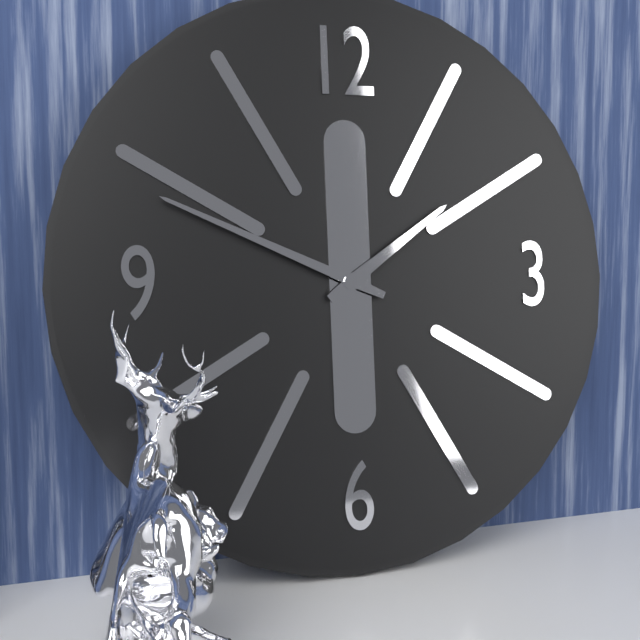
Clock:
1:49
